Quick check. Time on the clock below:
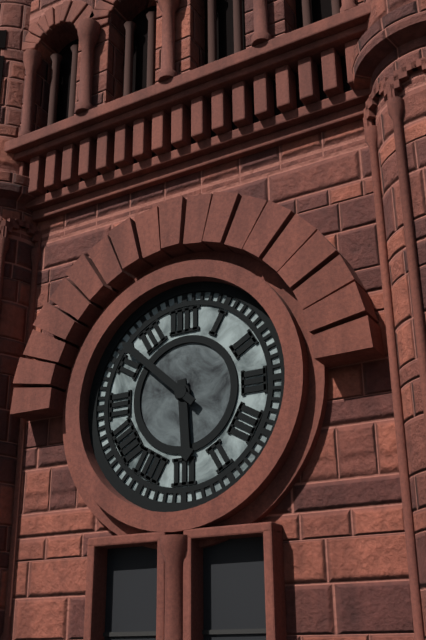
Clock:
5:52
